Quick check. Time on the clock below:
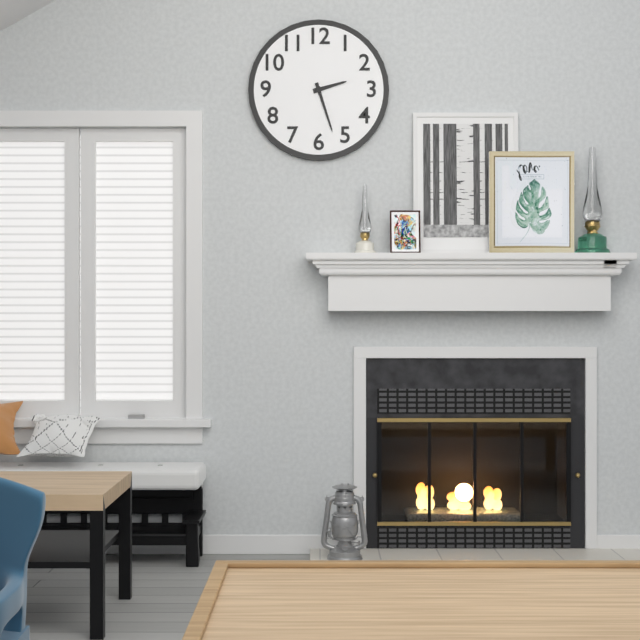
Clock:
2:27
